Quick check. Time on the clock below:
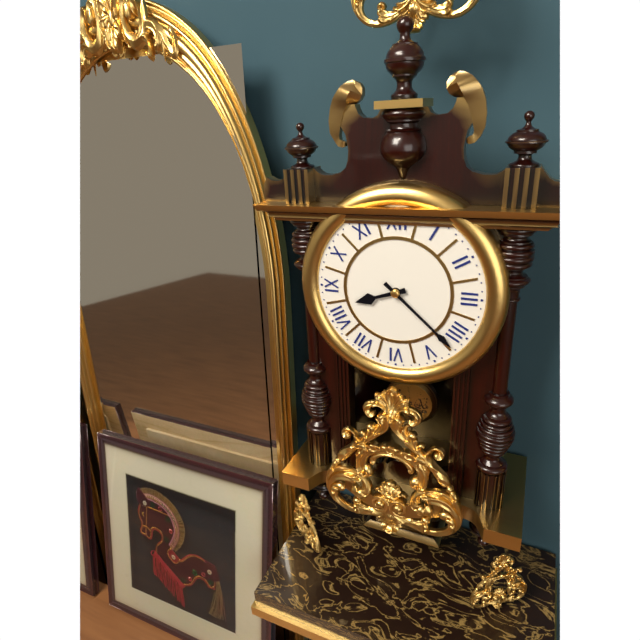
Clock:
8:22
